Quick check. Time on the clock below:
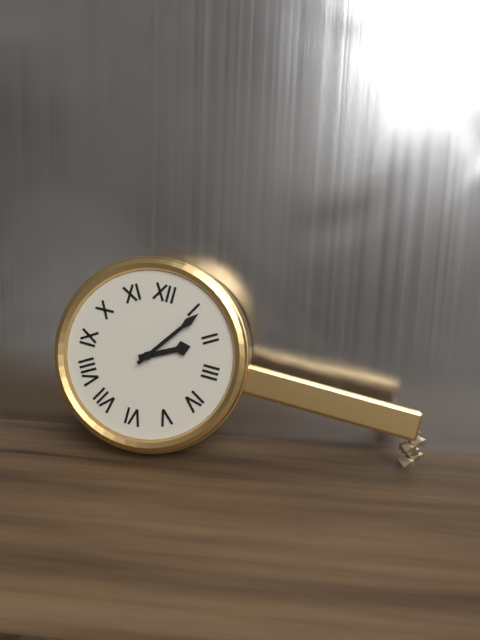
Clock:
2:06
